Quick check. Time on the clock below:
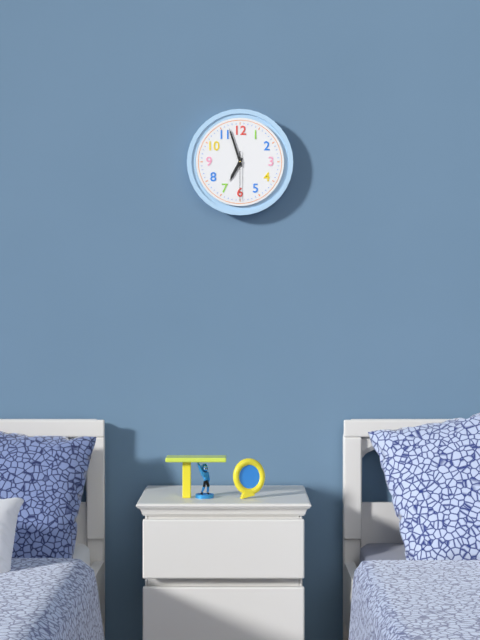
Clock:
6:57
